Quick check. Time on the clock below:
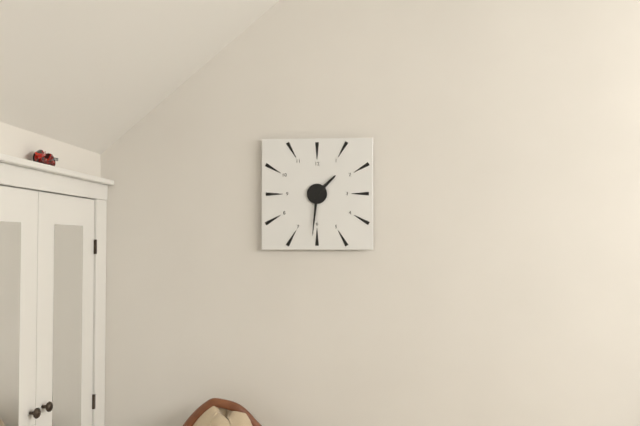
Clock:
1:31
